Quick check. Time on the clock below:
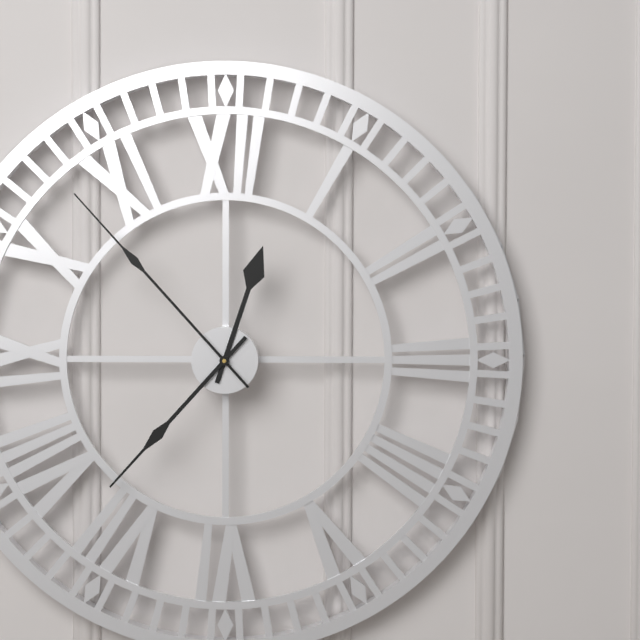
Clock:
12:37:53
